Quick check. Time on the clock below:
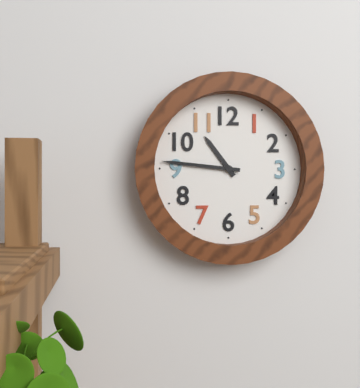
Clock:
10:46
